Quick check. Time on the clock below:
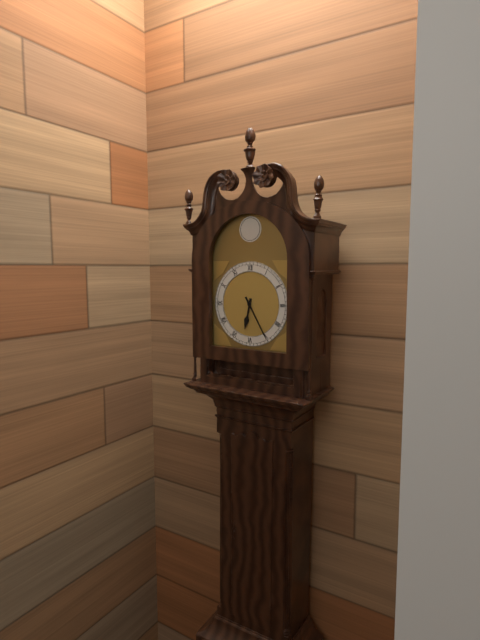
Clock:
6:25
